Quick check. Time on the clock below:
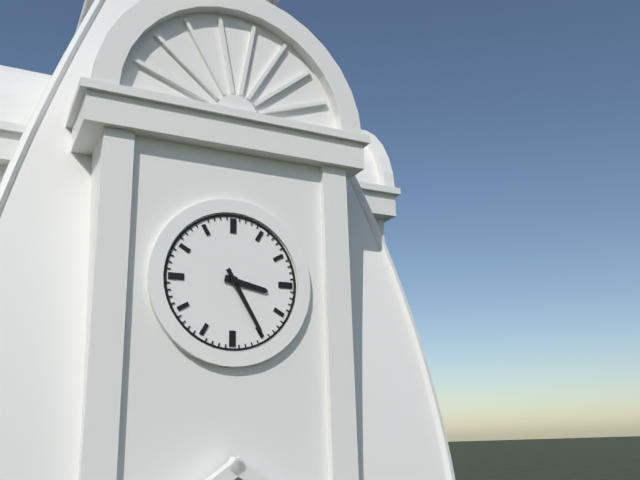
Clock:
3:25
